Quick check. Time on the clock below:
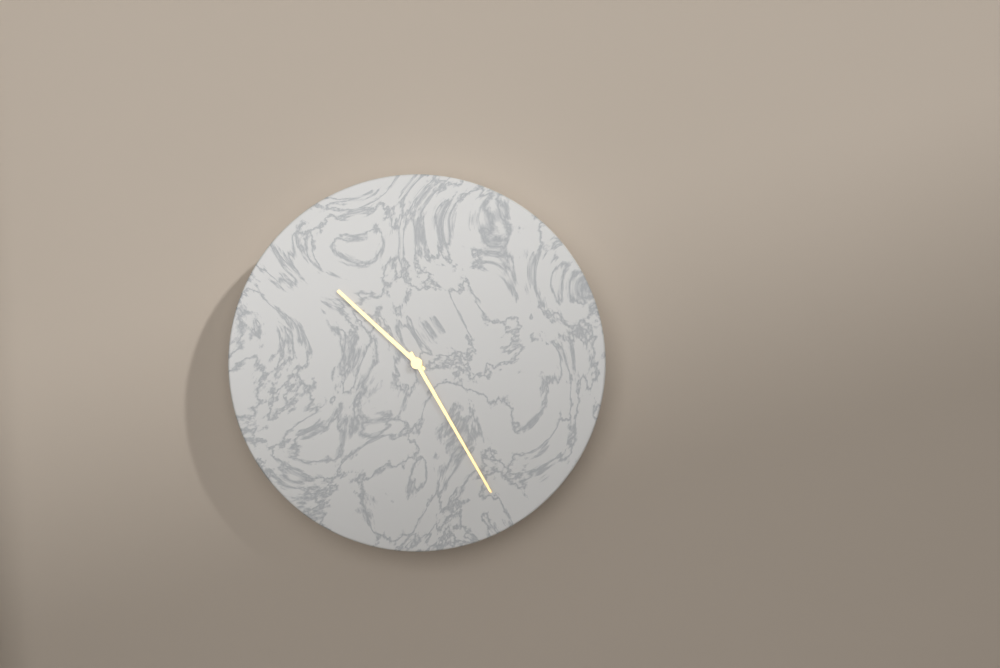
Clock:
10:25
